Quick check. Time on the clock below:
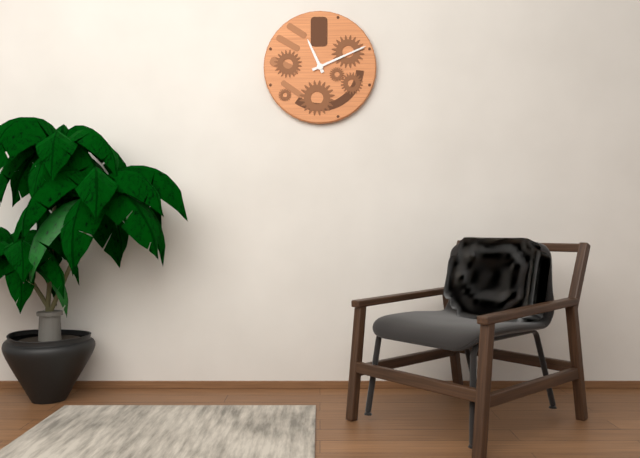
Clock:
11:11
